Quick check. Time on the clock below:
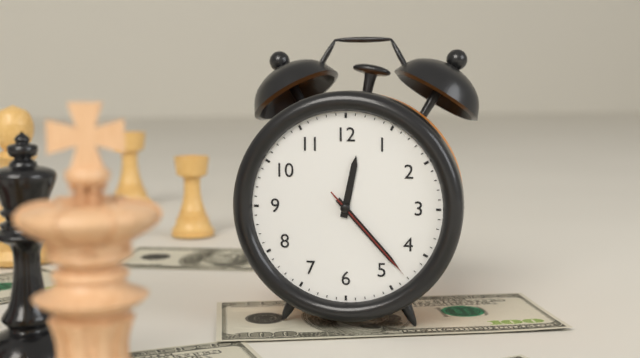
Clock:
12:23:23
